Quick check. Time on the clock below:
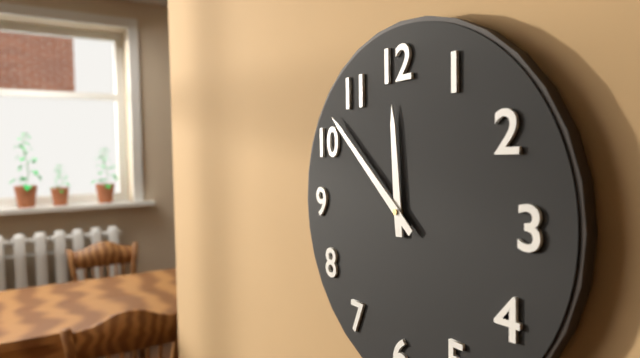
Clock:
11:52
